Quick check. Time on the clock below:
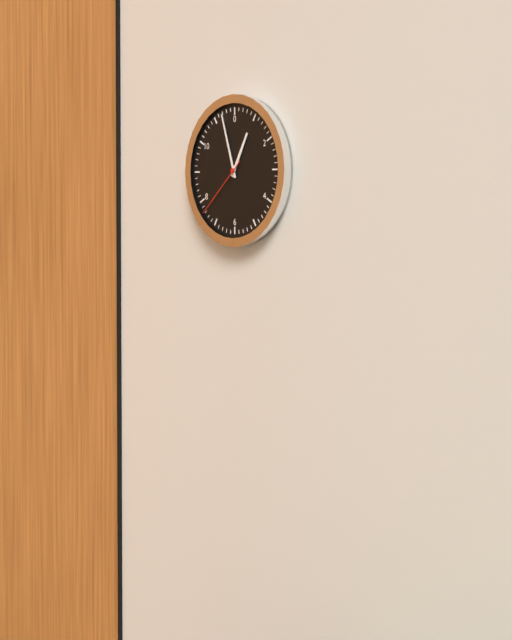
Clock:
12:57:38
